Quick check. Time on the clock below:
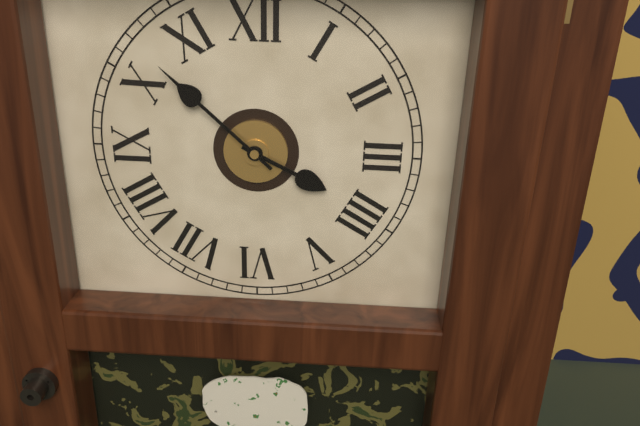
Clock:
3:52
